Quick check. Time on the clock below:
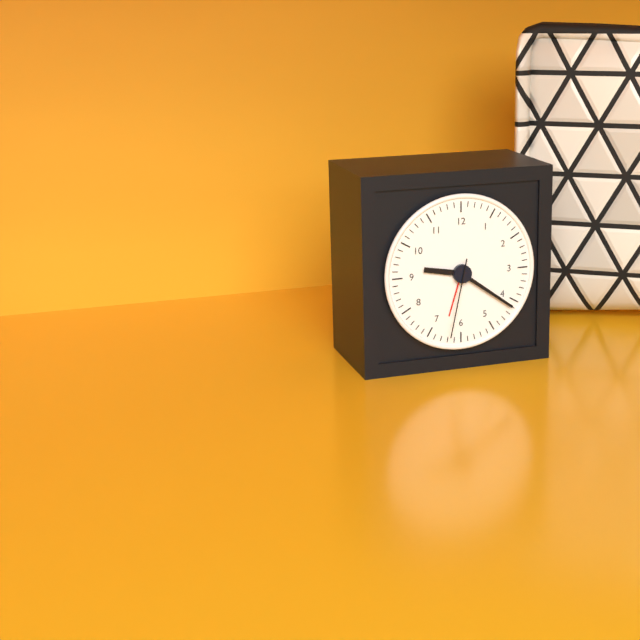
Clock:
9:21:32
